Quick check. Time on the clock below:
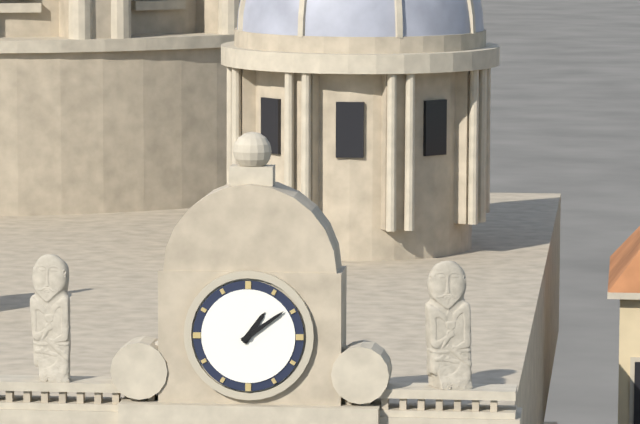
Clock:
1:09
